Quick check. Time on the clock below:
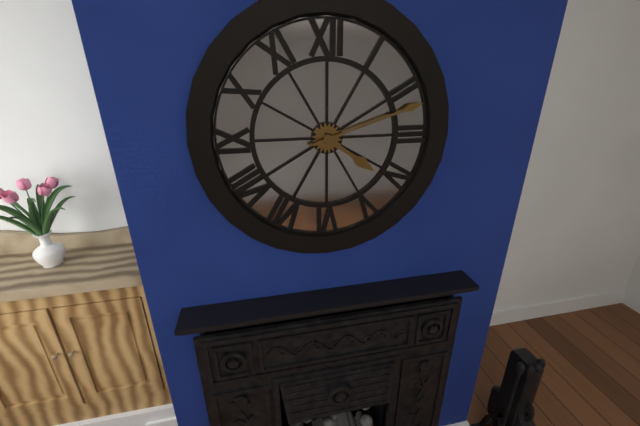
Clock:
4:12
